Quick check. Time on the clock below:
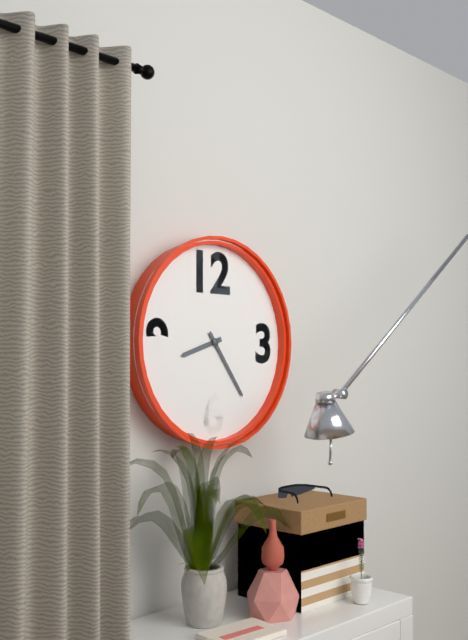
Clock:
8:24
